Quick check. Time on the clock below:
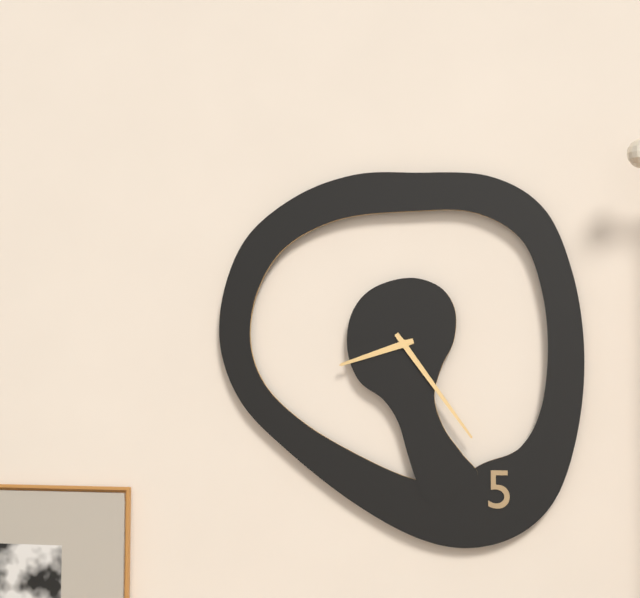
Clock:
8:24
